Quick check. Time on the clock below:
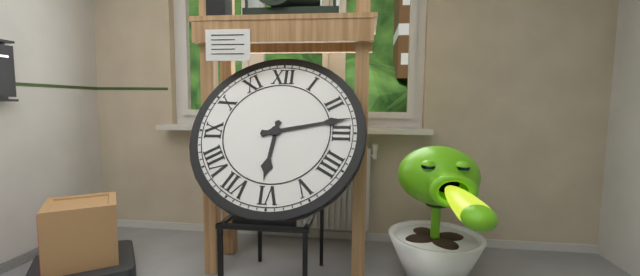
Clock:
6:13
